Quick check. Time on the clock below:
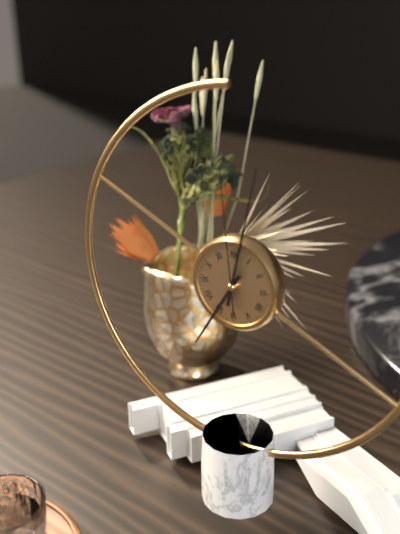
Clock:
7:02:59
